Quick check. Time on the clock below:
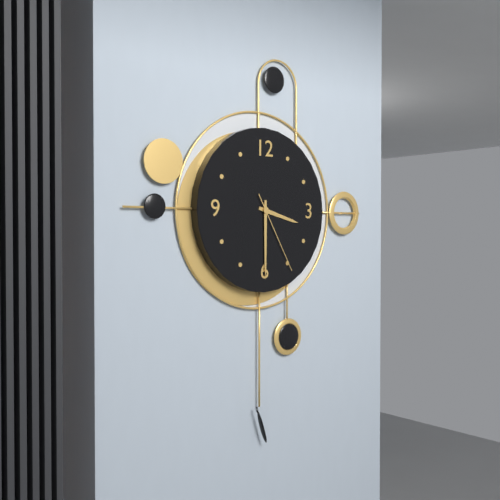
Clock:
3:30:25
